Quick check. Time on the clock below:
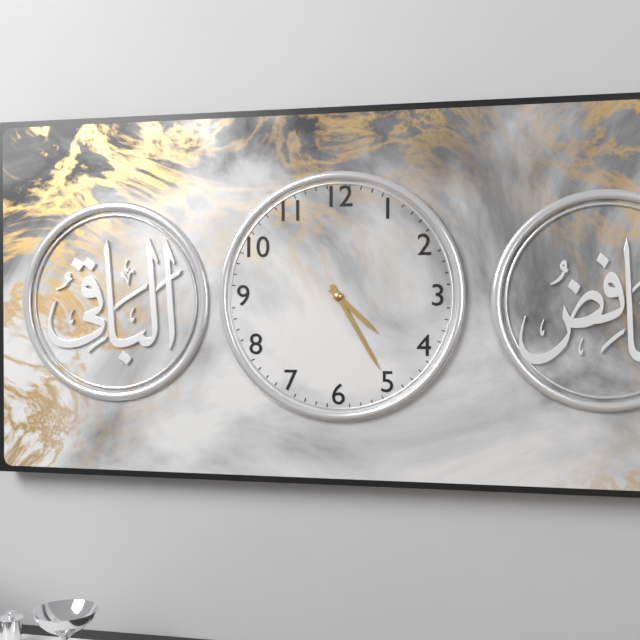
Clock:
4:25
